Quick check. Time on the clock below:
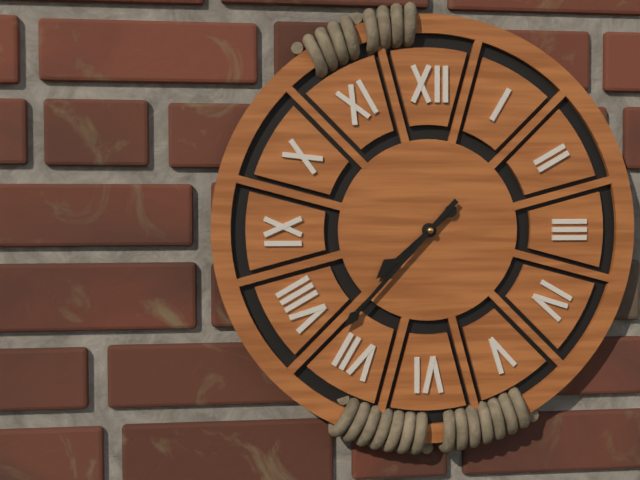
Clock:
7:37
